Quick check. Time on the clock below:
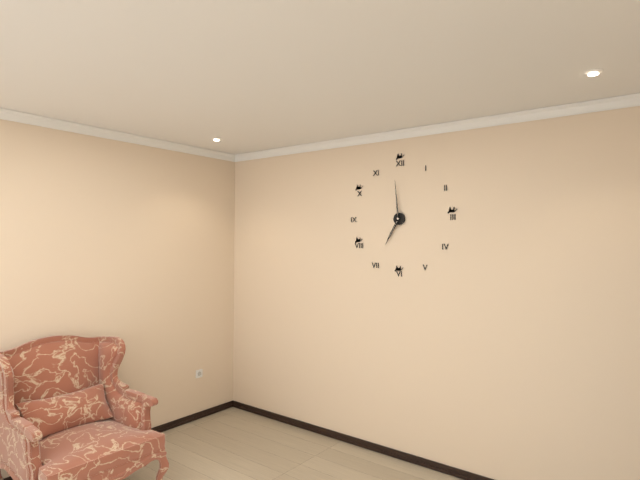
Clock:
6:59
